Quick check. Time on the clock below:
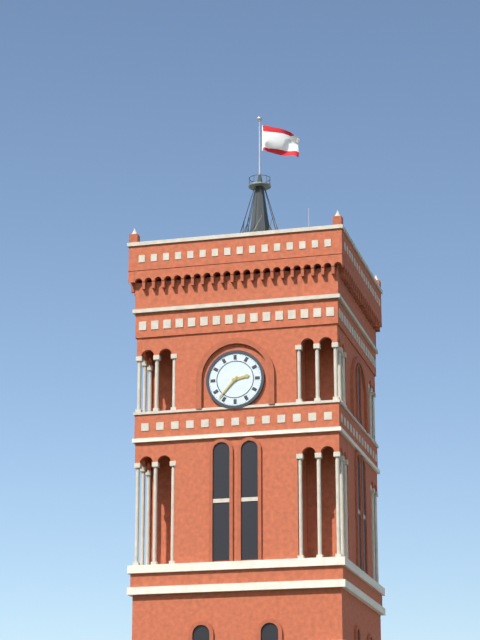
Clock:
2:37
